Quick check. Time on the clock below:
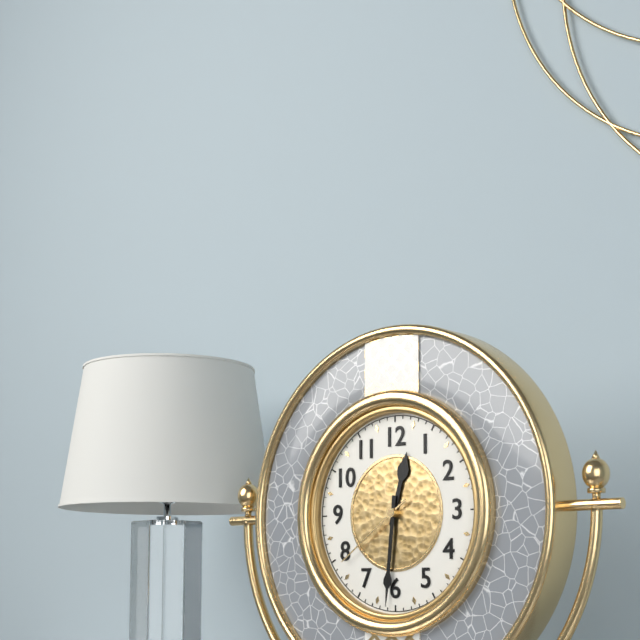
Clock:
12:31:39
